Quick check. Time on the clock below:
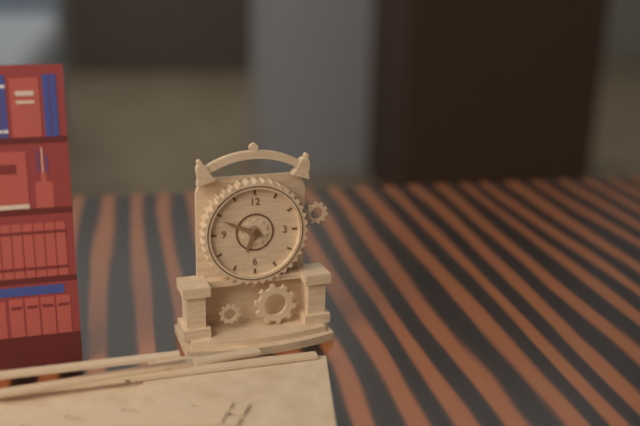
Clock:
6:49
